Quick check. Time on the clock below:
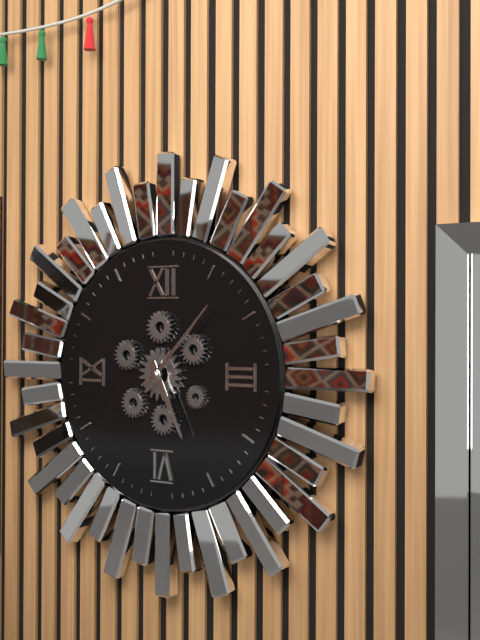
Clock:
5:07
